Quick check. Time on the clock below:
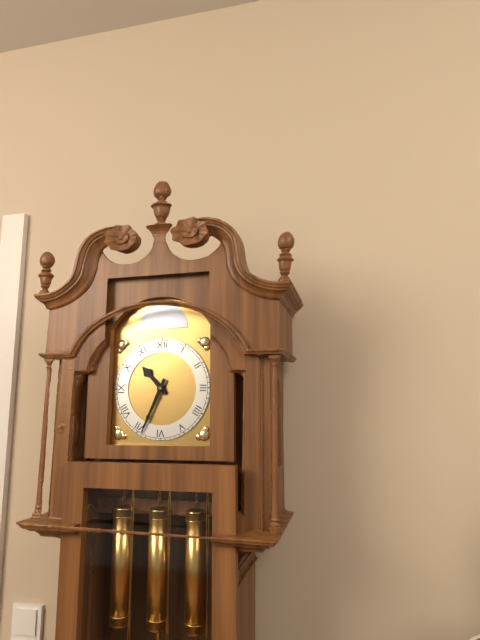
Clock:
10:34
